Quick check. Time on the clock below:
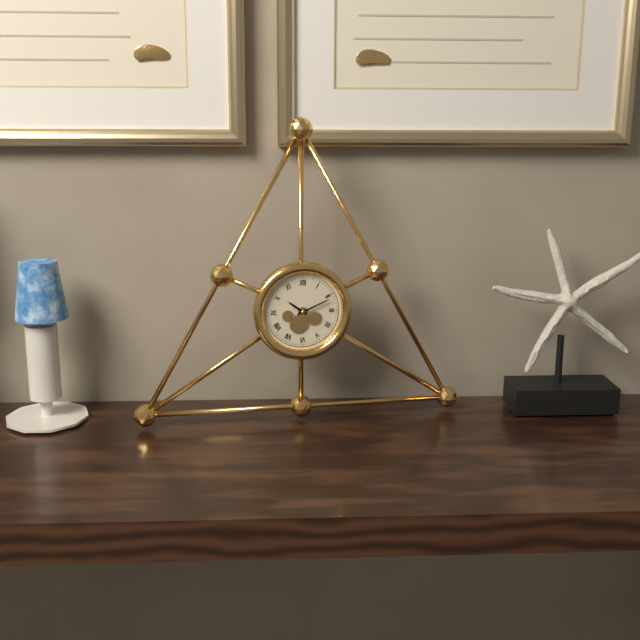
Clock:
10:11
